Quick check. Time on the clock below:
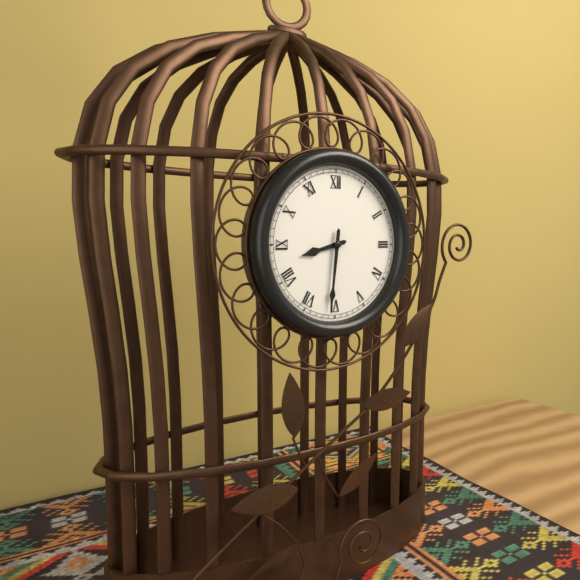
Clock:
8:31
